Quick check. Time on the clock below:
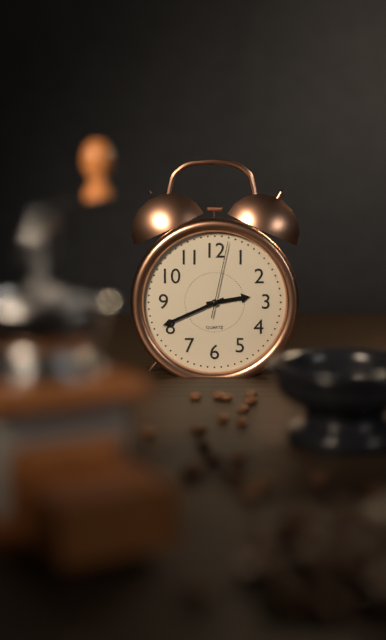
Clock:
2:41:02
